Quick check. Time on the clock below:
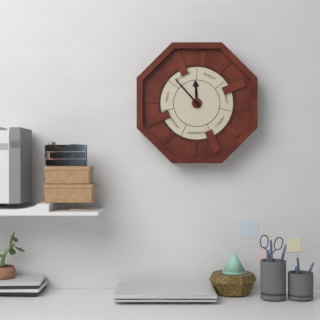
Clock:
11:53
